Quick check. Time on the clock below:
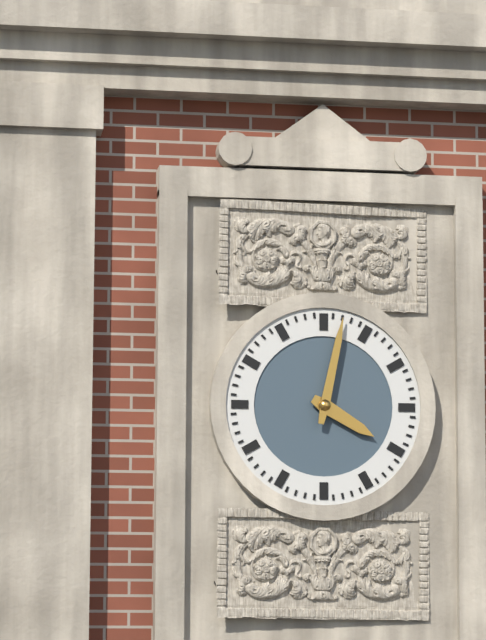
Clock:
4:02
